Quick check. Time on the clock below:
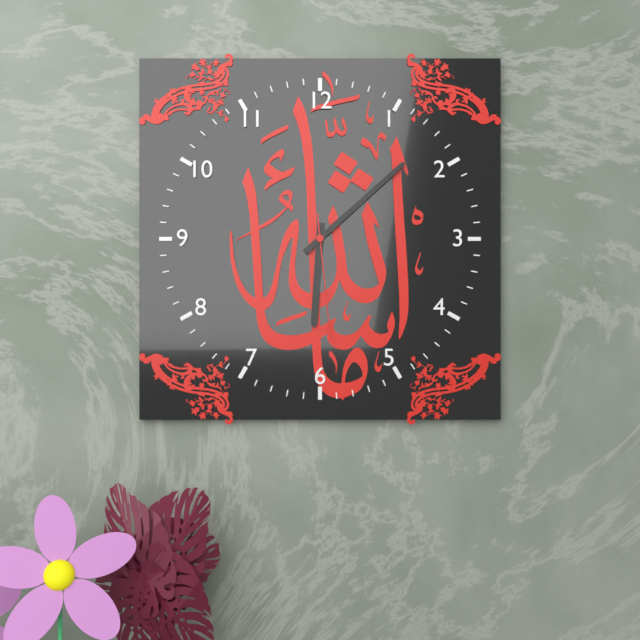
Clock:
6:08:29
